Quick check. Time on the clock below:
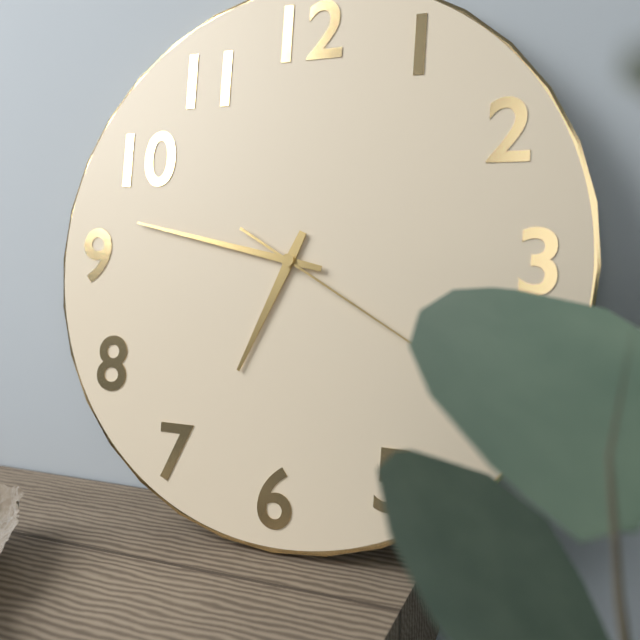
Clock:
6:47:20
